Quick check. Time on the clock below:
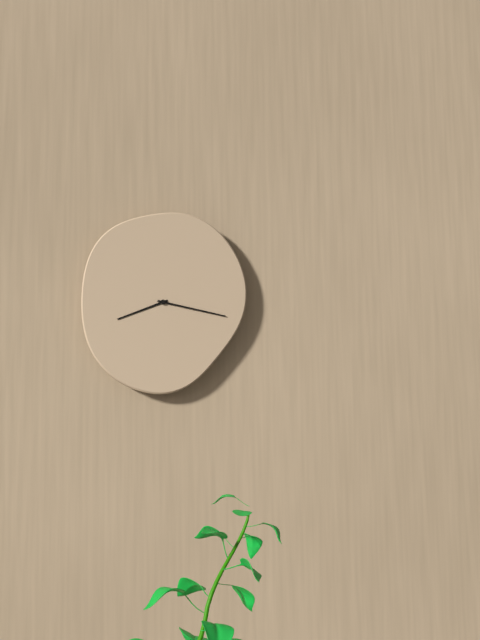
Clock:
8:17
